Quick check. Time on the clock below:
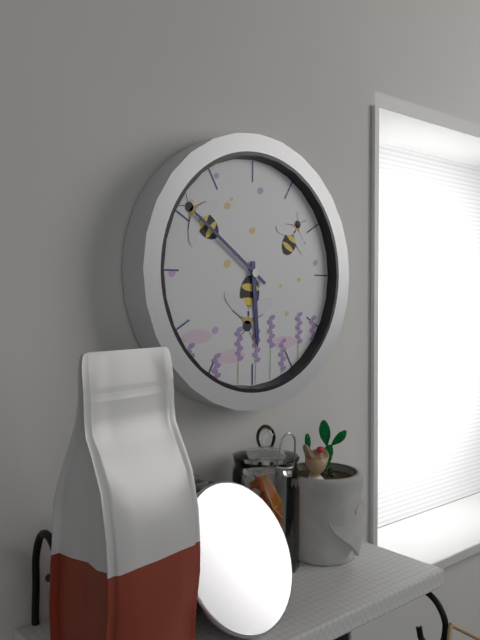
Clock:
5:51
